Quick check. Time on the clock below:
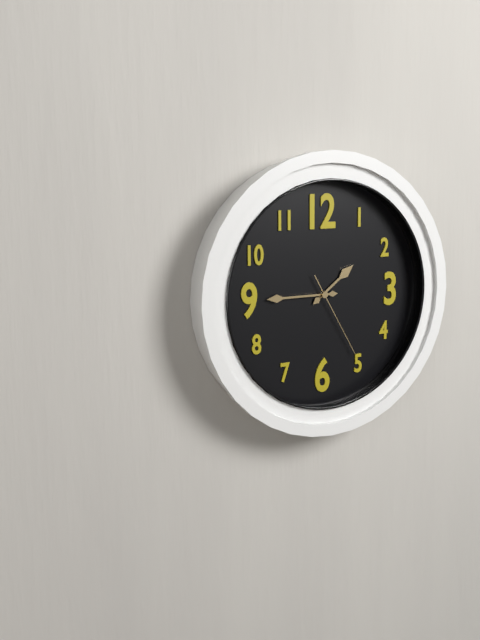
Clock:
1:45:25
